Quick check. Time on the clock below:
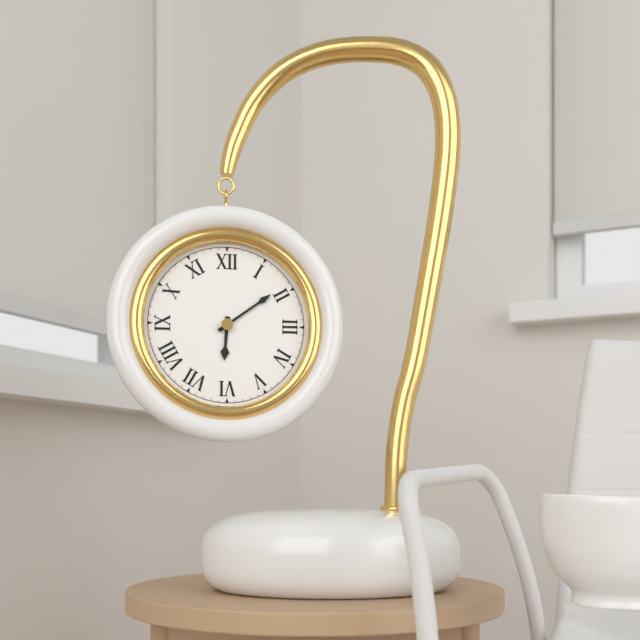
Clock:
6:09
